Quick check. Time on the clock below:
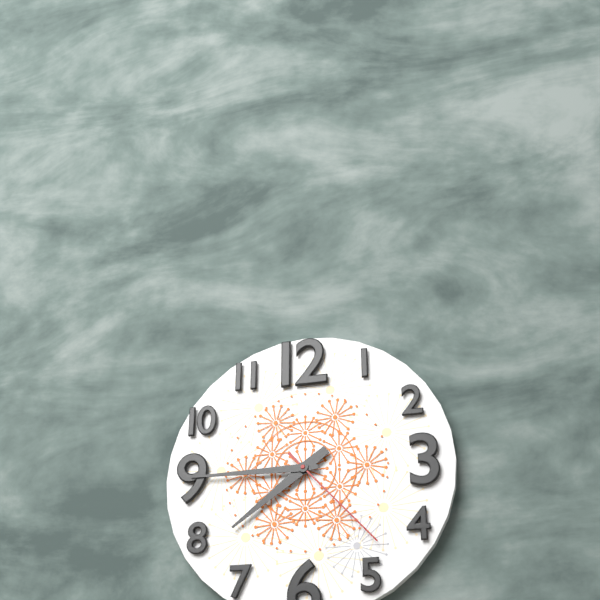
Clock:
7:45:23
